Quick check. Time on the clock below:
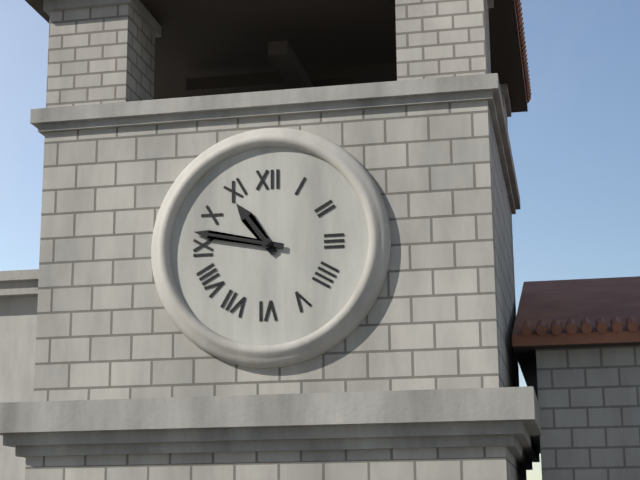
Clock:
10:47
